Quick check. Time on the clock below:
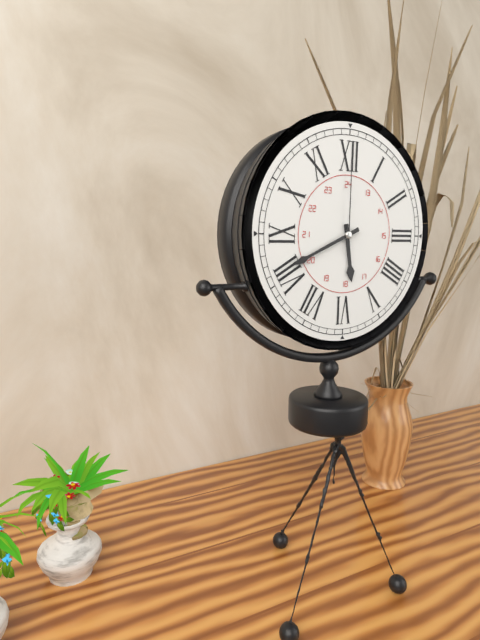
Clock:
5:41:00
